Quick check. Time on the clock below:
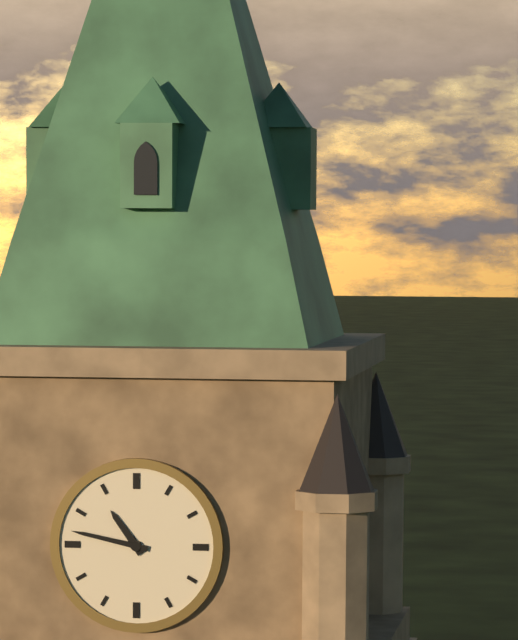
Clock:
10:47
